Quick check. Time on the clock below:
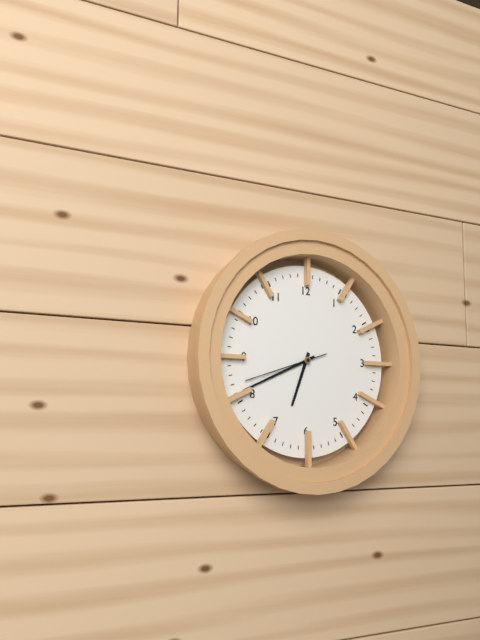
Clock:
6:41:42
